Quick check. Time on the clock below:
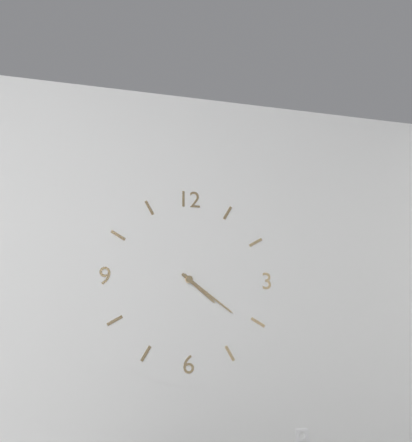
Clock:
4:21
